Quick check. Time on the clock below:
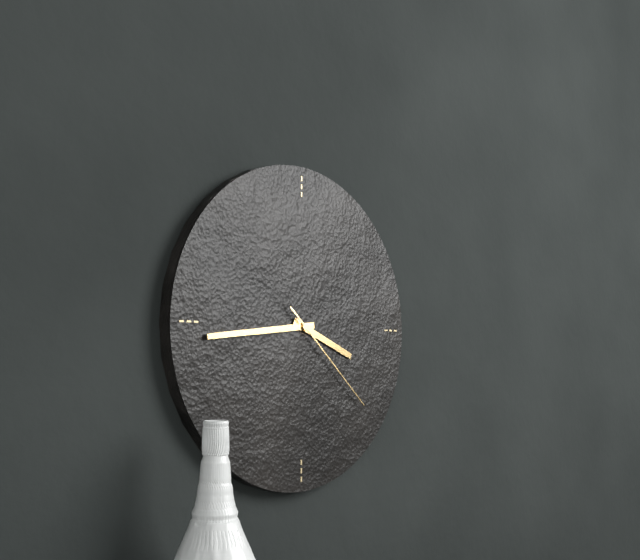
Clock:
3:44:22
